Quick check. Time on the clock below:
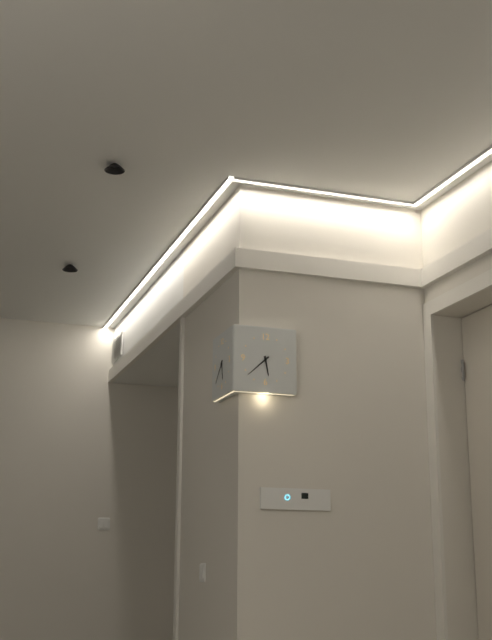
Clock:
5:38
